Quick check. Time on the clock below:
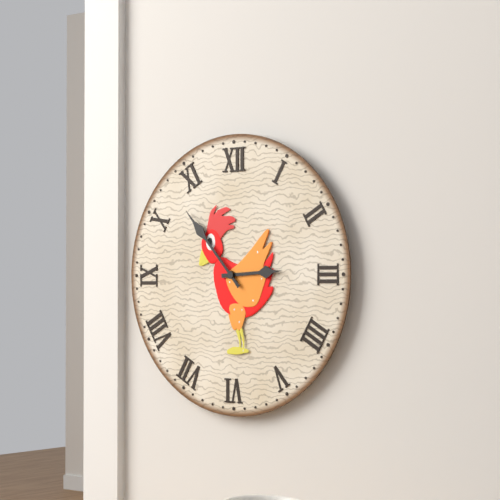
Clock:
2:53
